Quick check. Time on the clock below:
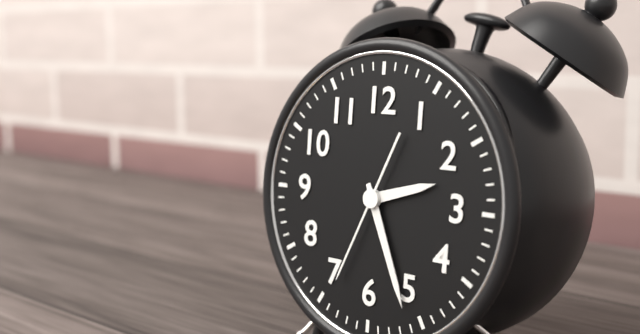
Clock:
2:26:34
